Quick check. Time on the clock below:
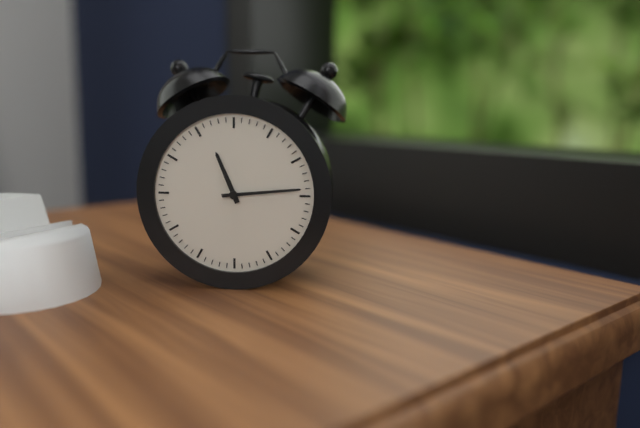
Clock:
11:14
